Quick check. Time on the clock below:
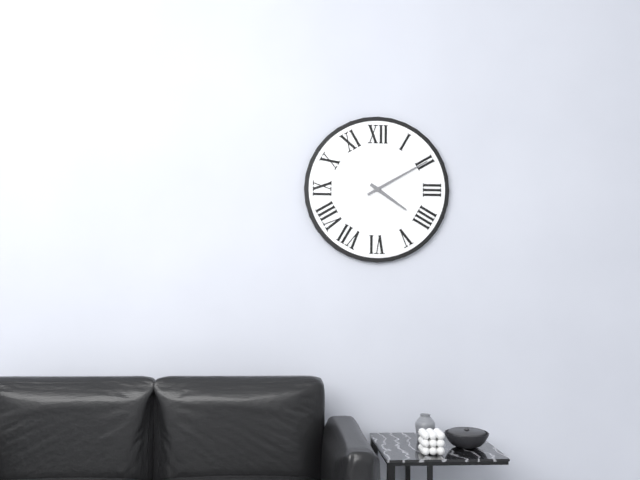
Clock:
4:10
